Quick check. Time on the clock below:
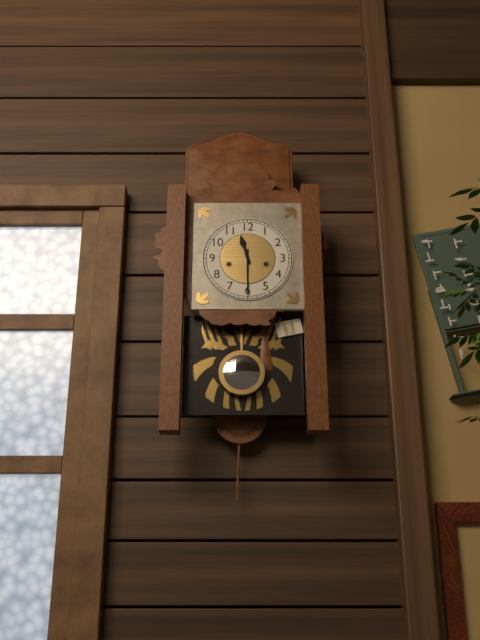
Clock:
11:30
